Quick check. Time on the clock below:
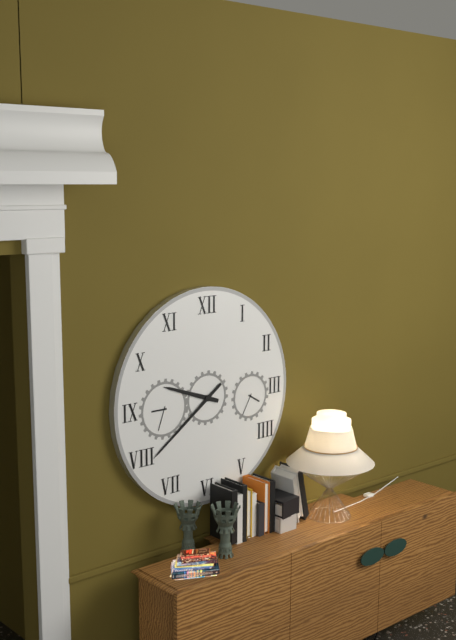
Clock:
9:39
